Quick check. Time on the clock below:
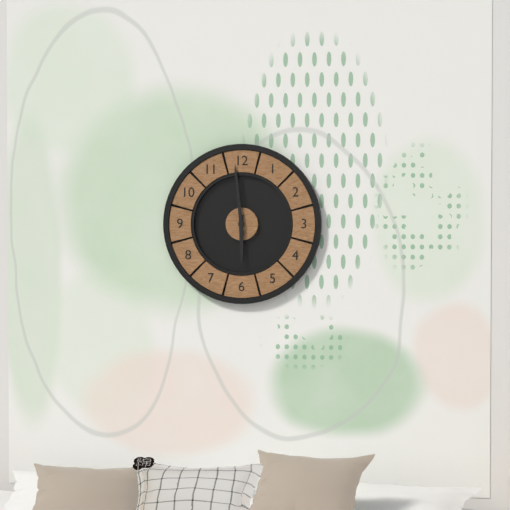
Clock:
5:59
